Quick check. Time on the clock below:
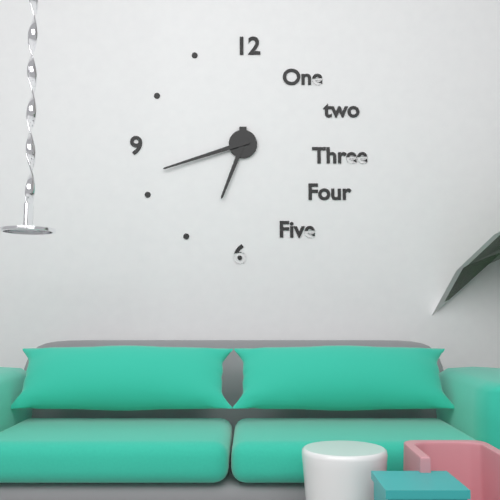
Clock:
6:42
